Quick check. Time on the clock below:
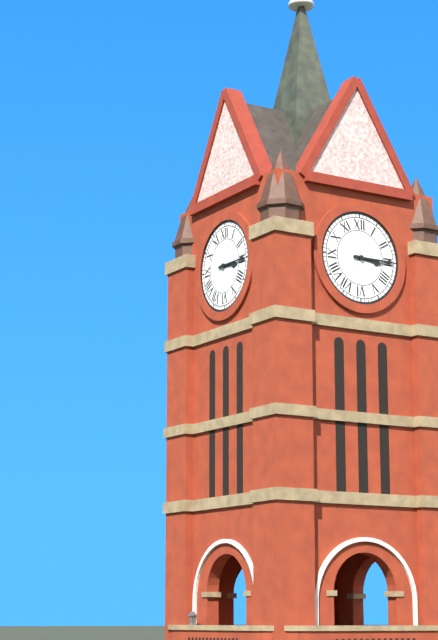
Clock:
3:15
